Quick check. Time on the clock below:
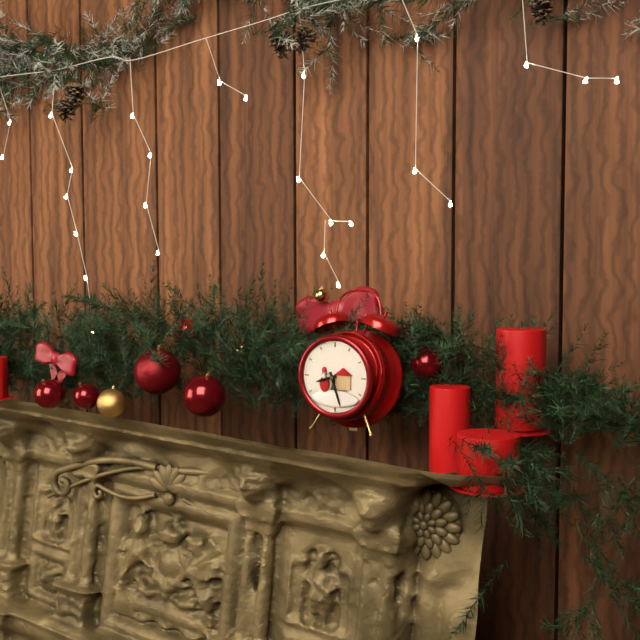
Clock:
8:27
